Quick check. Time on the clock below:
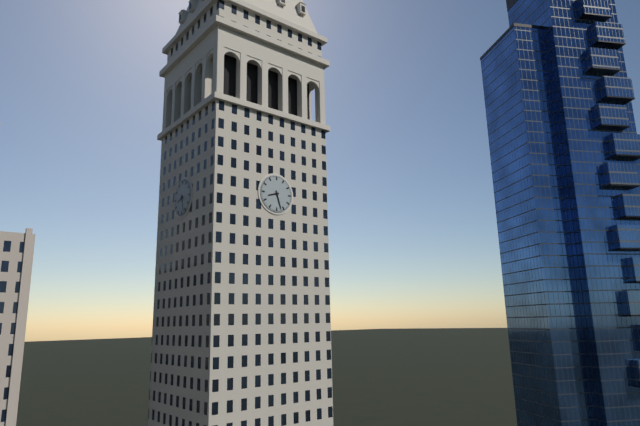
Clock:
8:27
